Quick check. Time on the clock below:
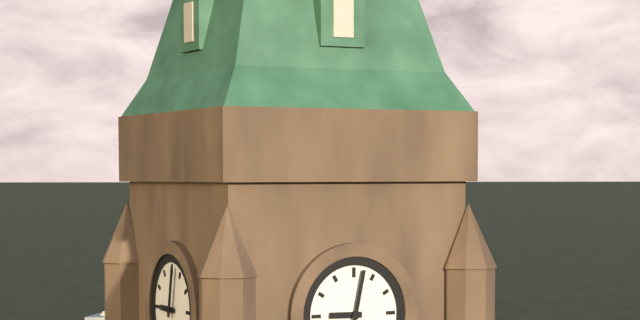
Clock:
9:02
